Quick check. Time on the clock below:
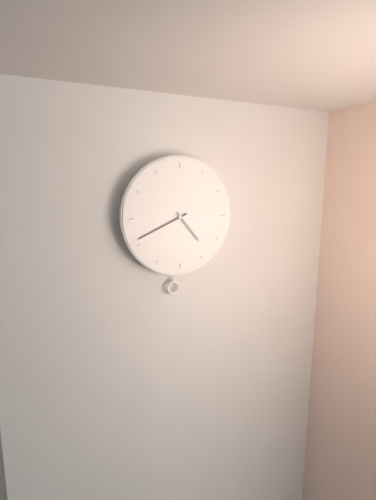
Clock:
4:41
